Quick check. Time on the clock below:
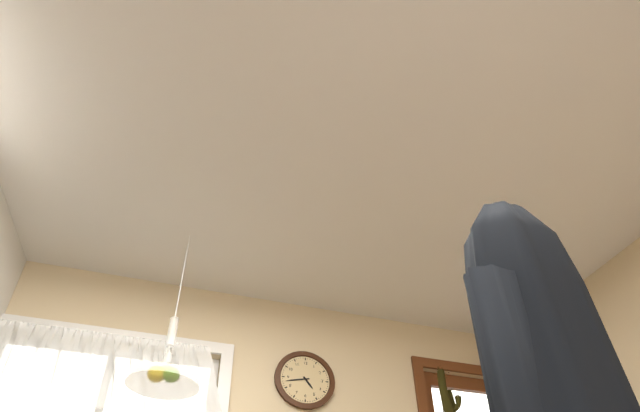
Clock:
4:43
